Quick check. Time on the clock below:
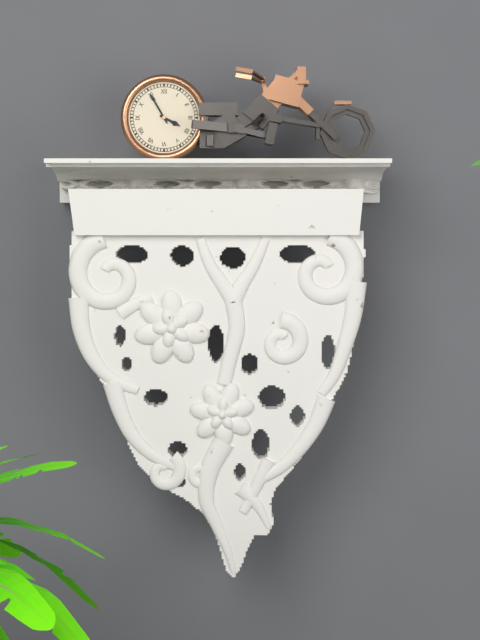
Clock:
3:55
